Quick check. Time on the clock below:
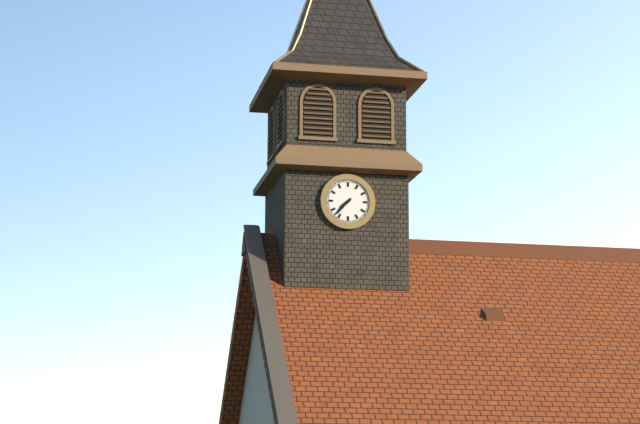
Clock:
7:37
